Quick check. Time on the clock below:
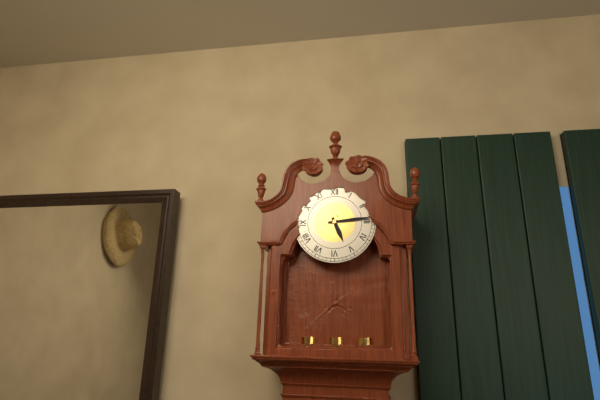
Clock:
5:14
